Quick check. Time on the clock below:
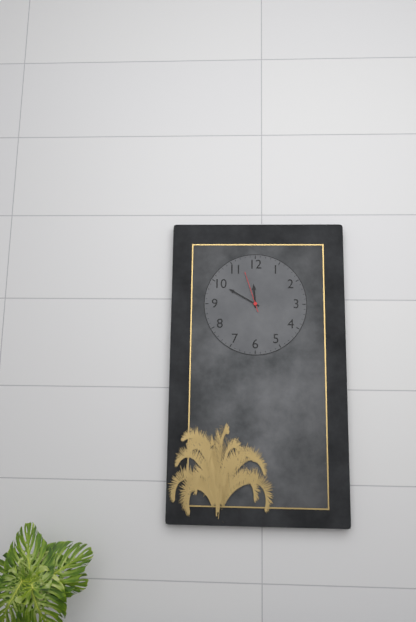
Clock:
11:50
